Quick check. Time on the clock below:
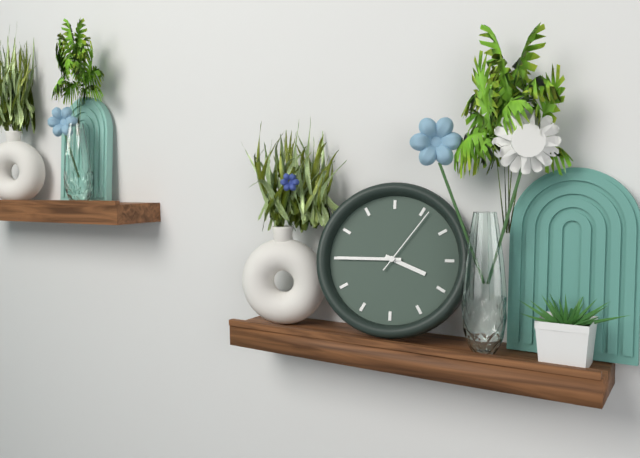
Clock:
3:45:06
